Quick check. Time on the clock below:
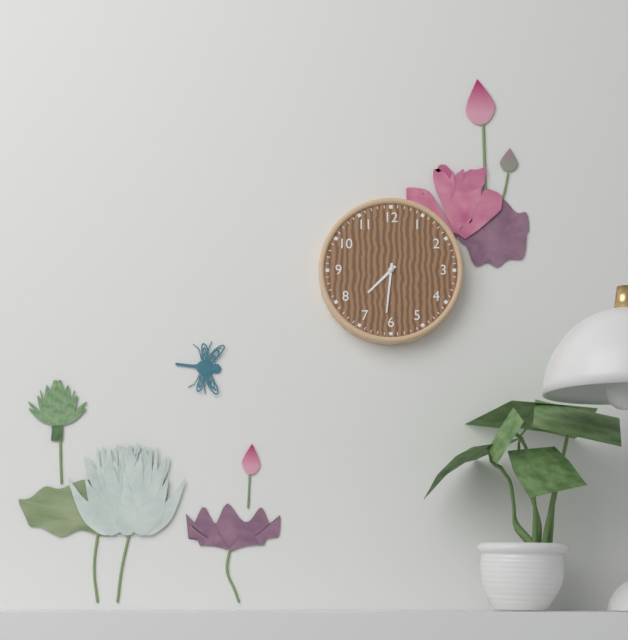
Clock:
7:31
